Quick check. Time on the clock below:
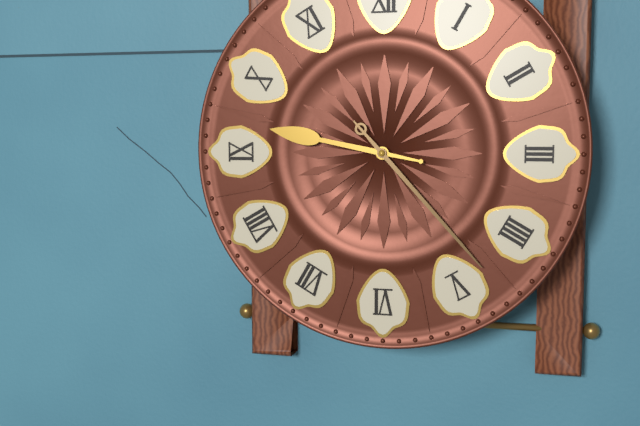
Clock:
9:23
